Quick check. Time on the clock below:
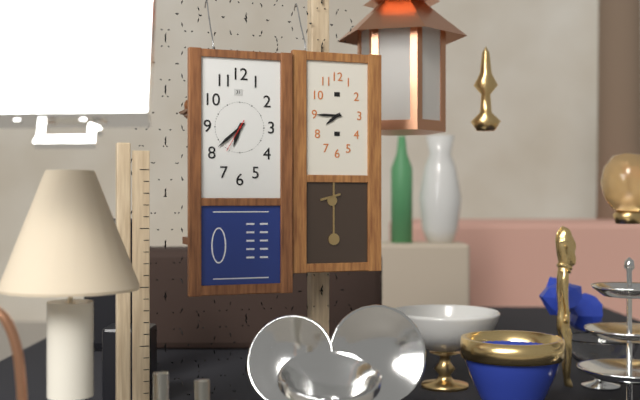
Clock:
6:38
